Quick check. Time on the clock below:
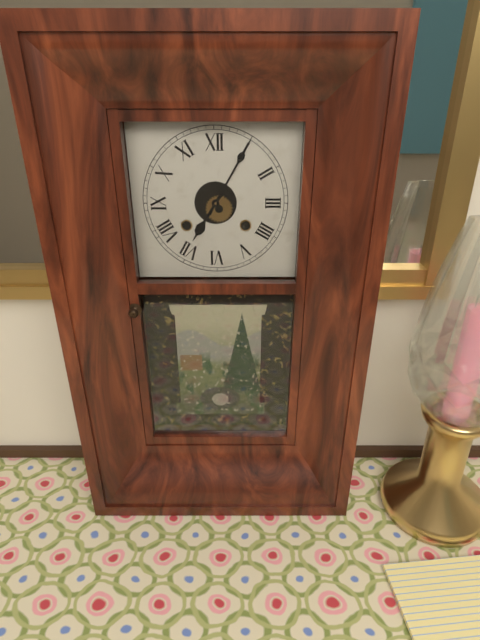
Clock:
7:05
